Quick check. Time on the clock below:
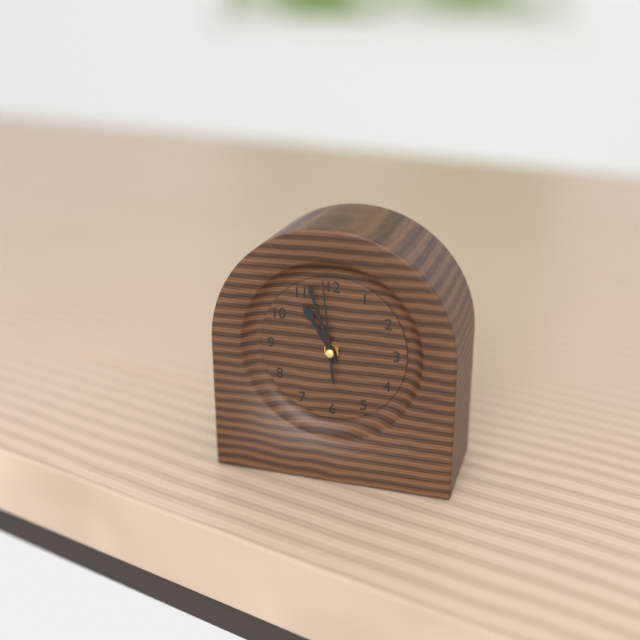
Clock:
10:57:59
